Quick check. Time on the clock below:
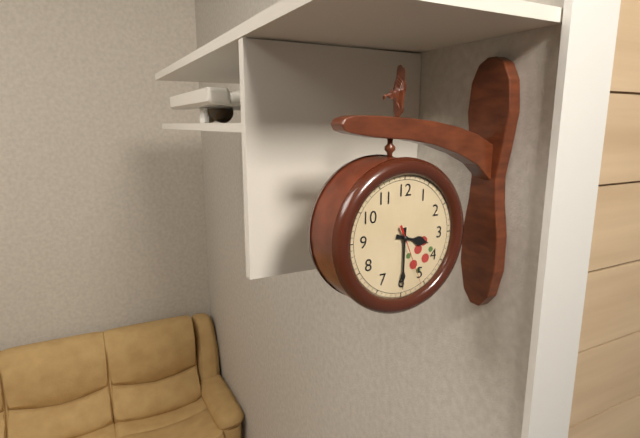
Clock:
3:30:26
